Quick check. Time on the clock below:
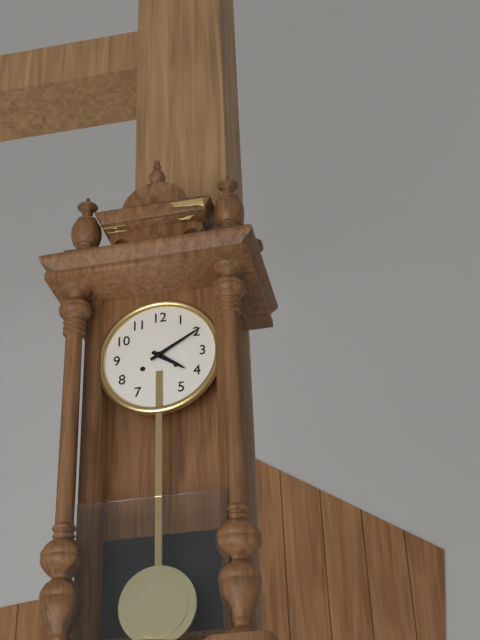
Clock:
4:10
